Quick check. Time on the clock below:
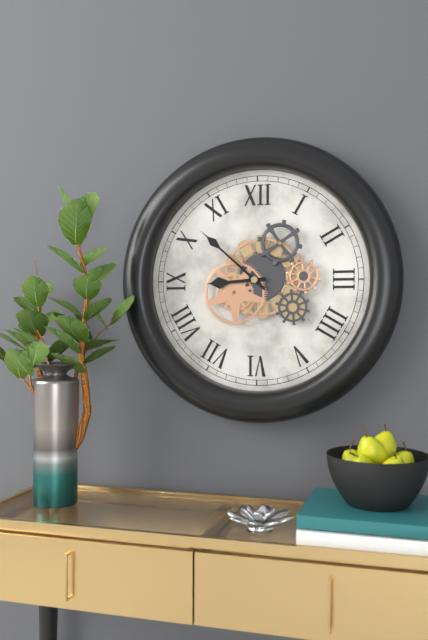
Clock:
8:52
